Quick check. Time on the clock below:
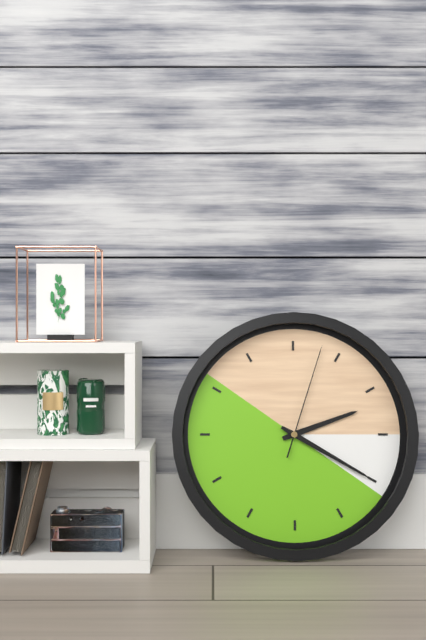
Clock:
2:20:03
